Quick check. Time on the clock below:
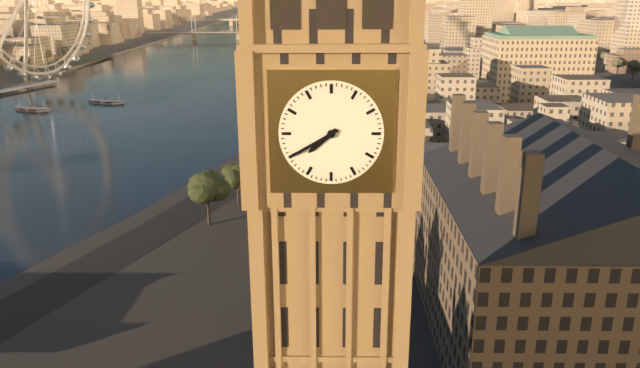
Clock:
7:40
